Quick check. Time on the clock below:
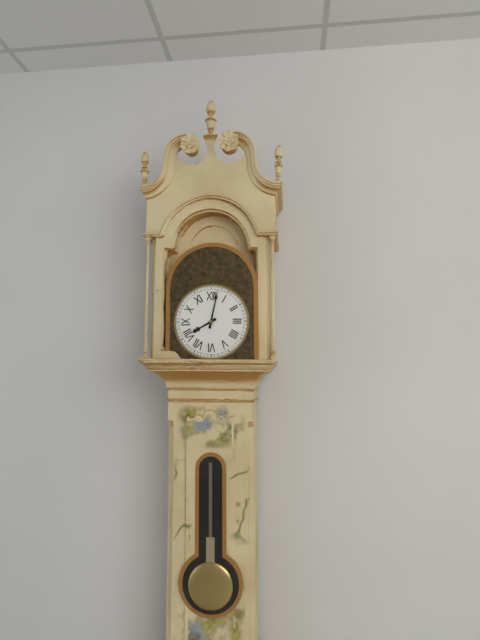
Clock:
8:02
